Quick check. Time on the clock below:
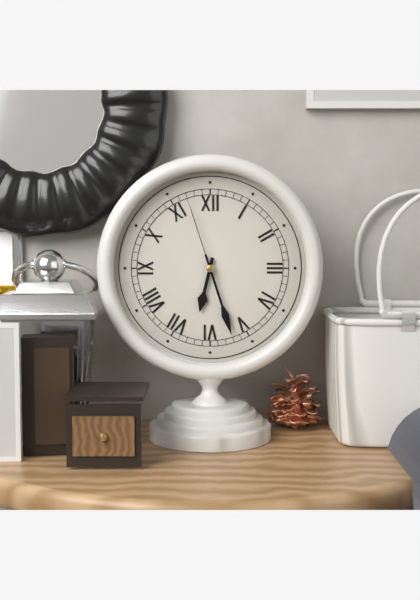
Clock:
6:27:57
